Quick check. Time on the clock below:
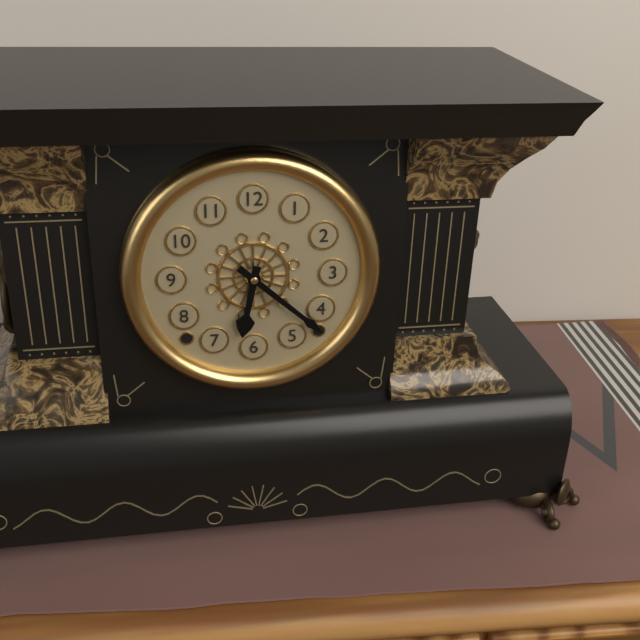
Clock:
6:22
